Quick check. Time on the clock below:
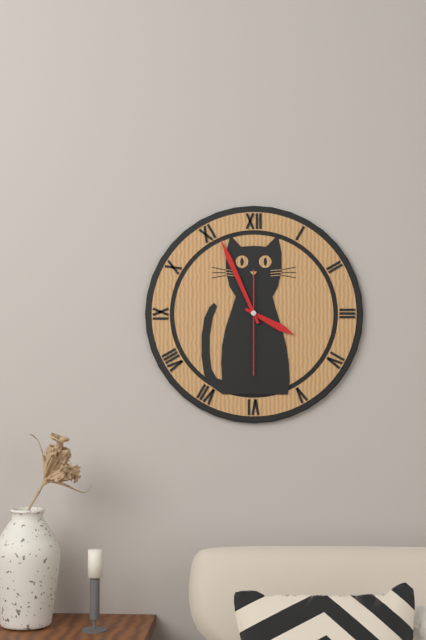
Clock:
3:56:30
